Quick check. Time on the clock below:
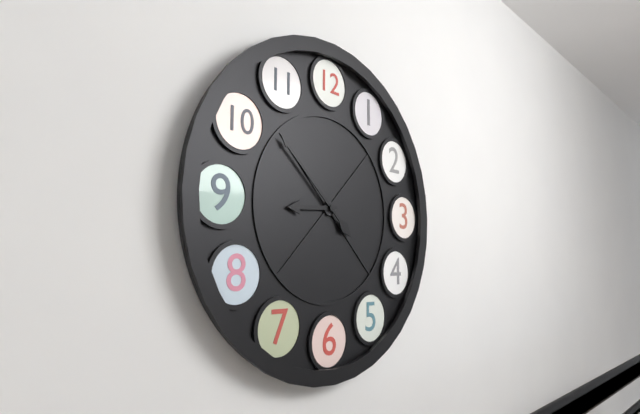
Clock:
8:52
